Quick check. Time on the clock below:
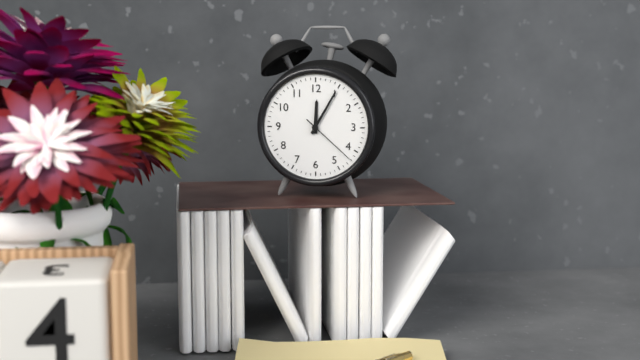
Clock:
12:05:22
